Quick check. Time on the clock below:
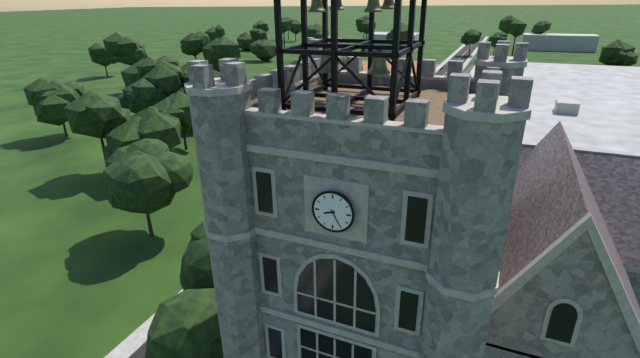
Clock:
8:25
